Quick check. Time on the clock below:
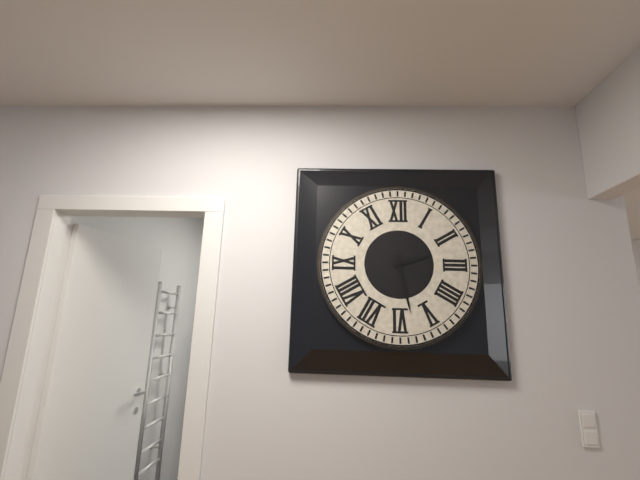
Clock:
2:28
